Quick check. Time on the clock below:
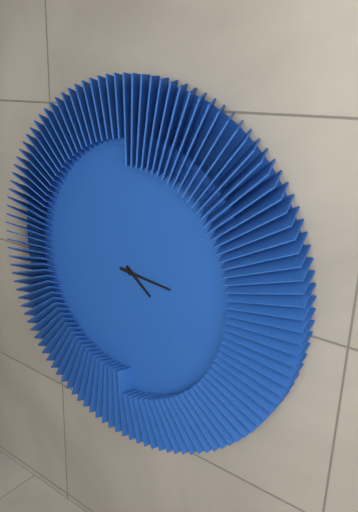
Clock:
4:16
